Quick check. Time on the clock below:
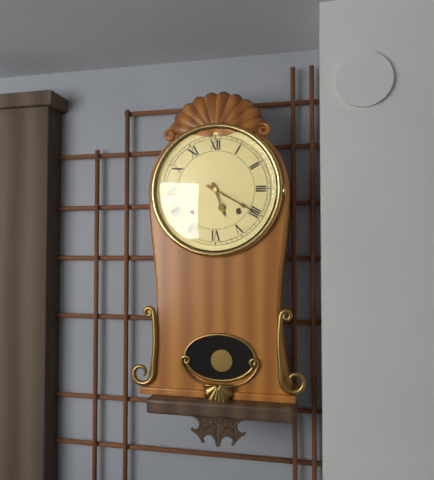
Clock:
5:20
